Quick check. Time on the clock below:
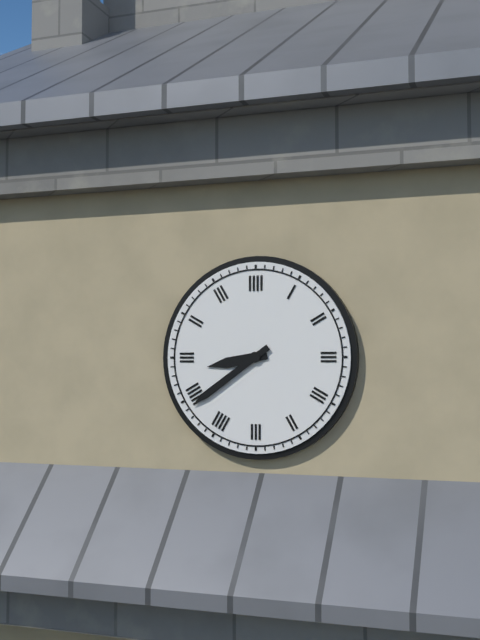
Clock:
8:39
